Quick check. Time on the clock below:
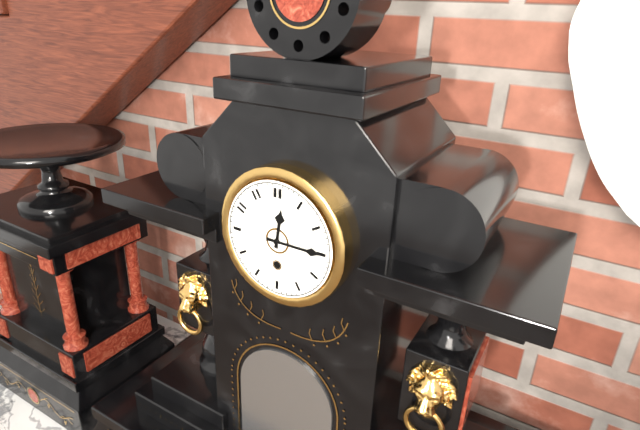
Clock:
12:15
